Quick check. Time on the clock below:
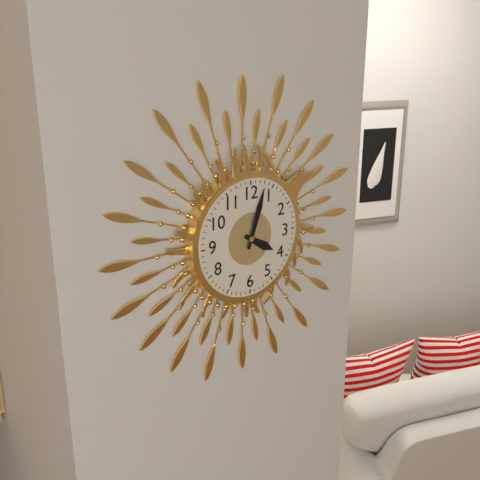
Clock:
4:03
